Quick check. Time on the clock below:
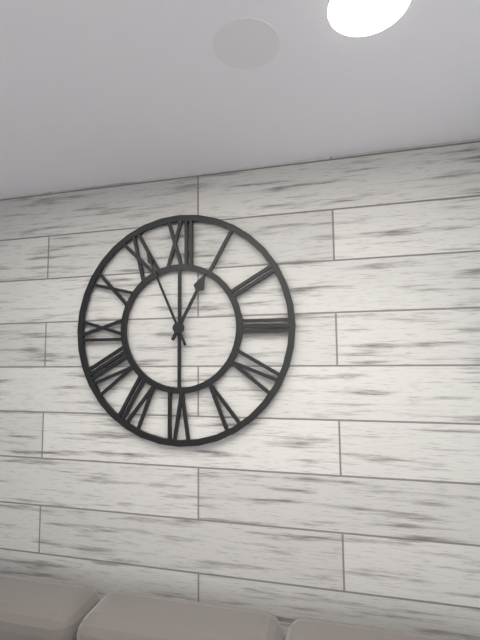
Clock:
12:56
